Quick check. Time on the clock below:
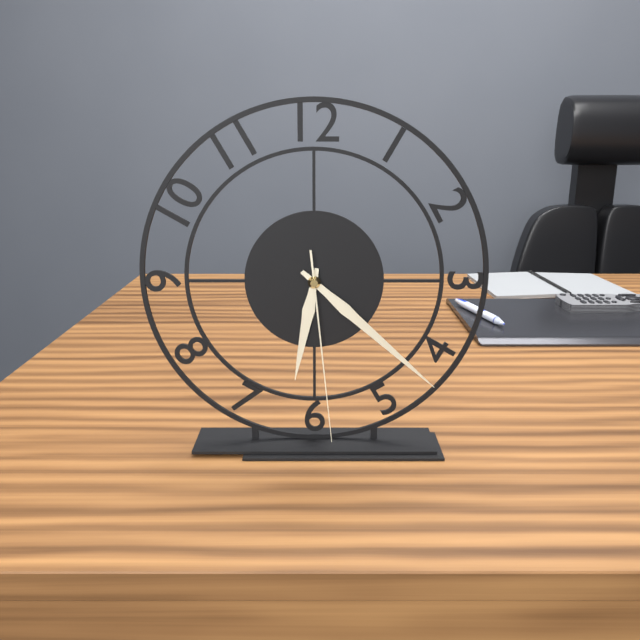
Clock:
6:22:29
